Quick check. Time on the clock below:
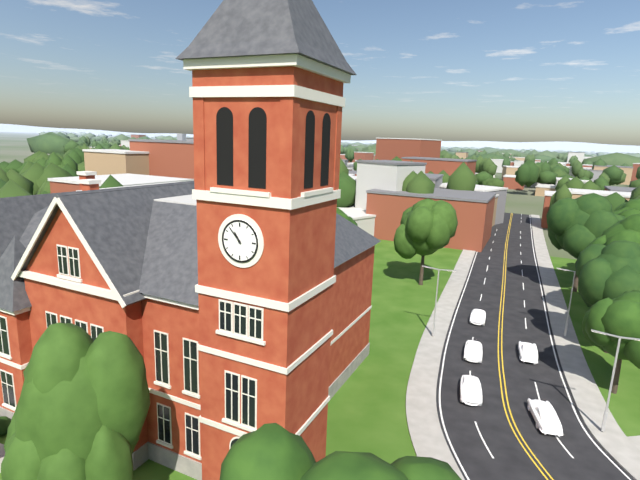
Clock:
10:53
